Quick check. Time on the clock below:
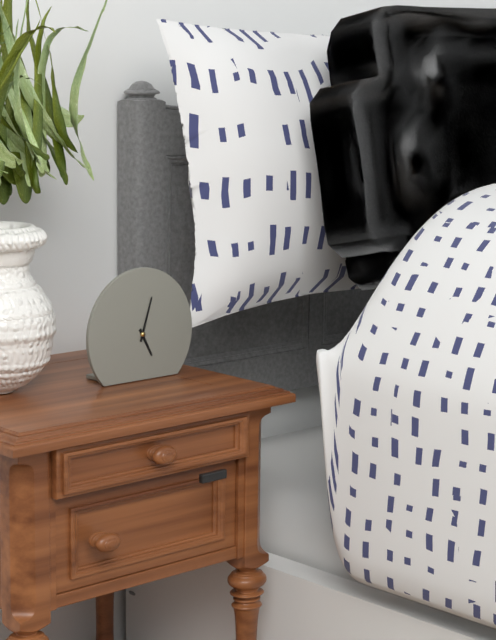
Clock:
5:03
